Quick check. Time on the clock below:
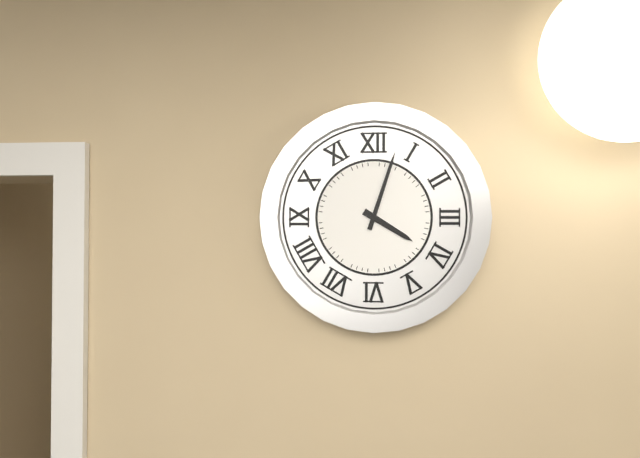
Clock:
4:03
